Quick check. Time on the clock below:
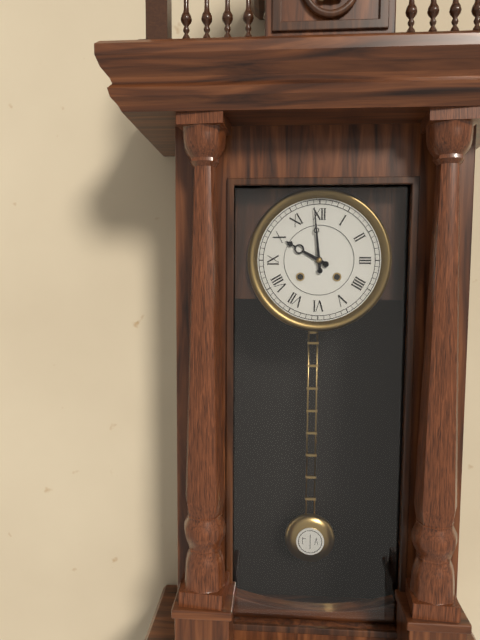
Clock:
9:59
